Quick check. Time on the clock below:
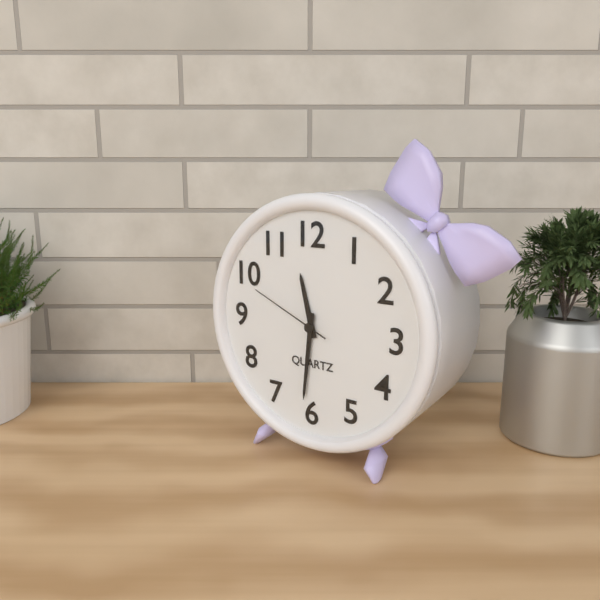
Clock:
11:31:49
